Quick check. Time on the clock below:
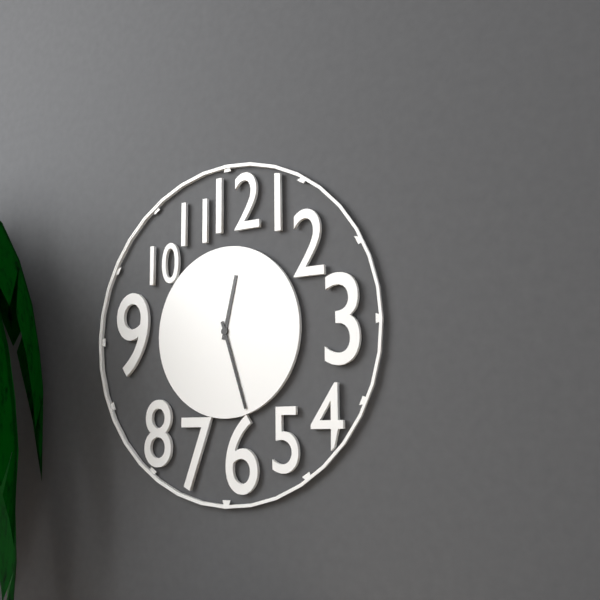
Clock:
12:27
